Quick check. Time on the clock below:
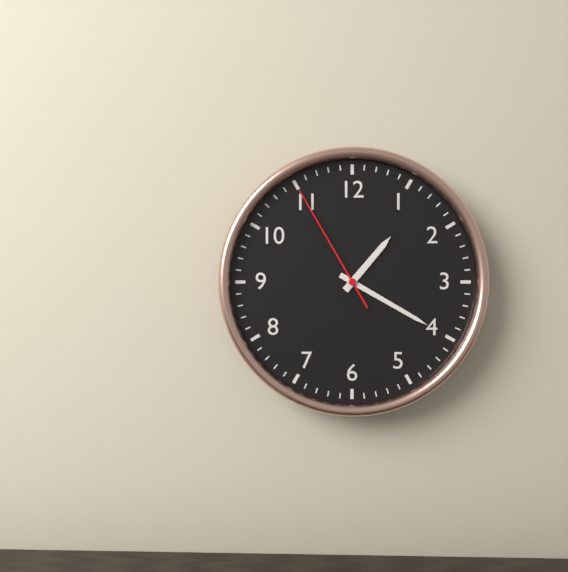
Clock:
1:20:55
